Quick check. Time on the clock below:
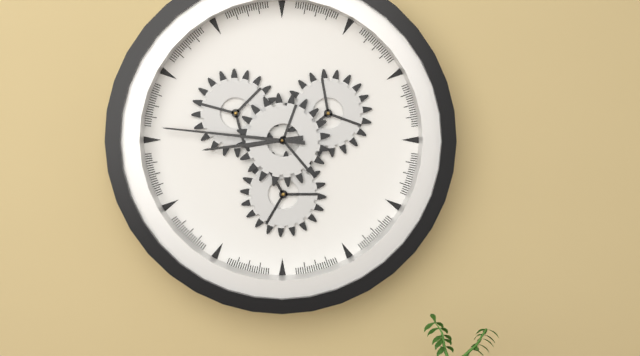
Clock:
8:46
